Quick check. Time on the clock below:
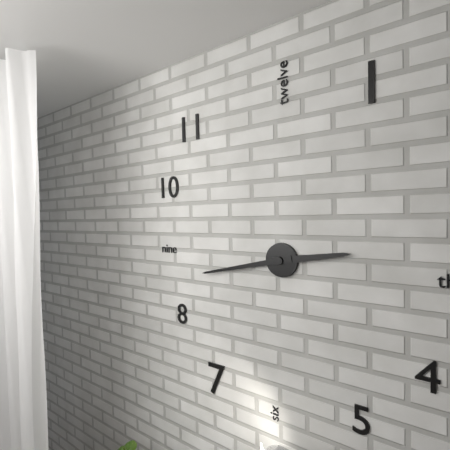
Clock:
2:43
